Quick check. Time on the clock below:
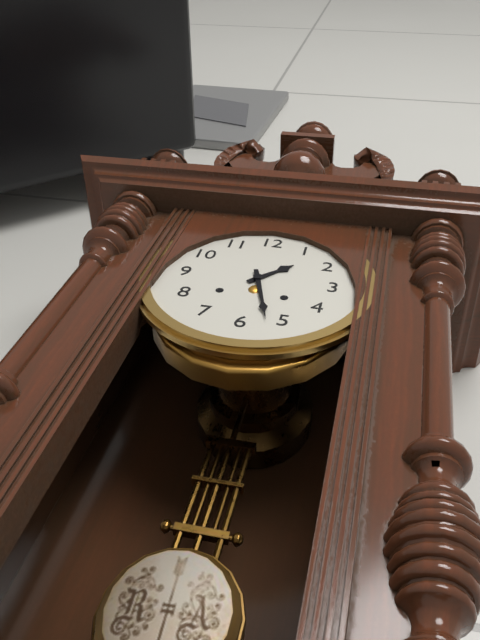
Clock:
1:27
